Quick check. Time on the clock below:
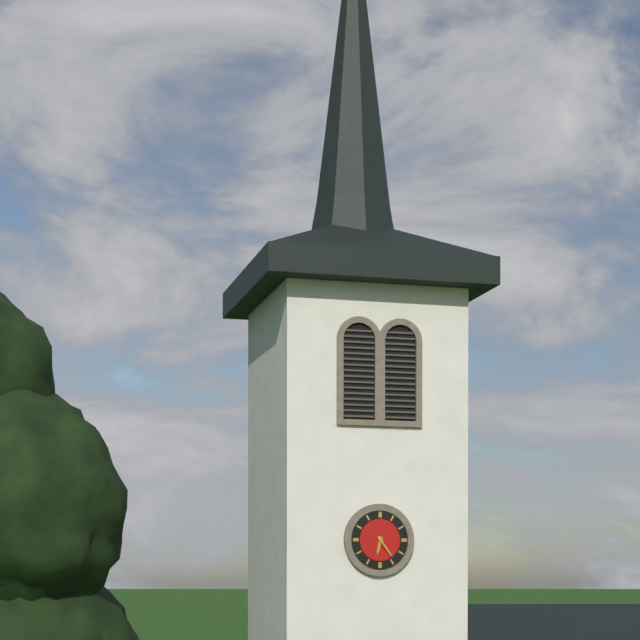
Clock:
6:24
